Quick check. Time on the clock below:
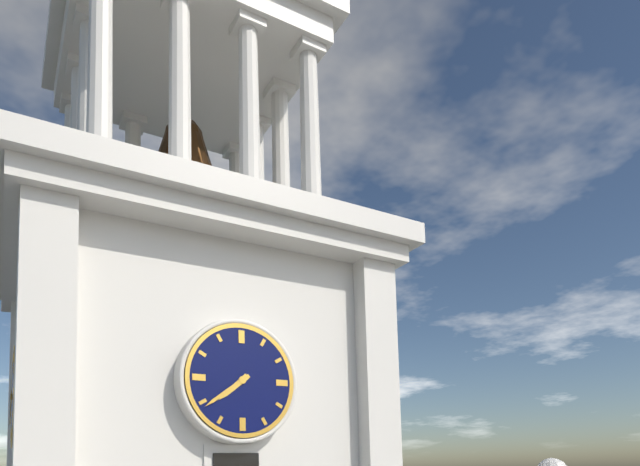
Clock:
7:39
